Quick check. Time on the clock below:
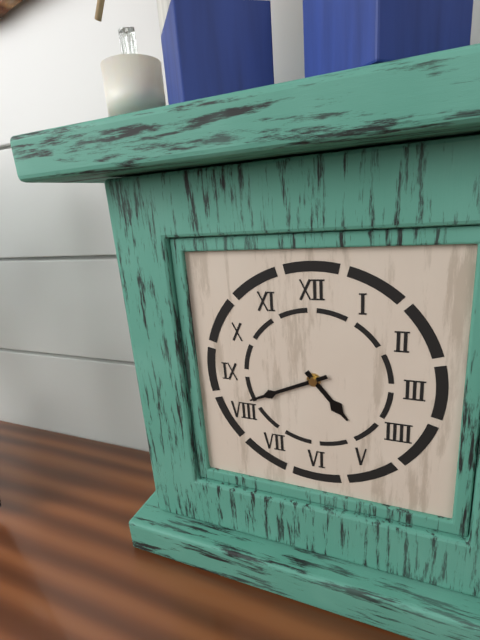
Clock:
4:41
